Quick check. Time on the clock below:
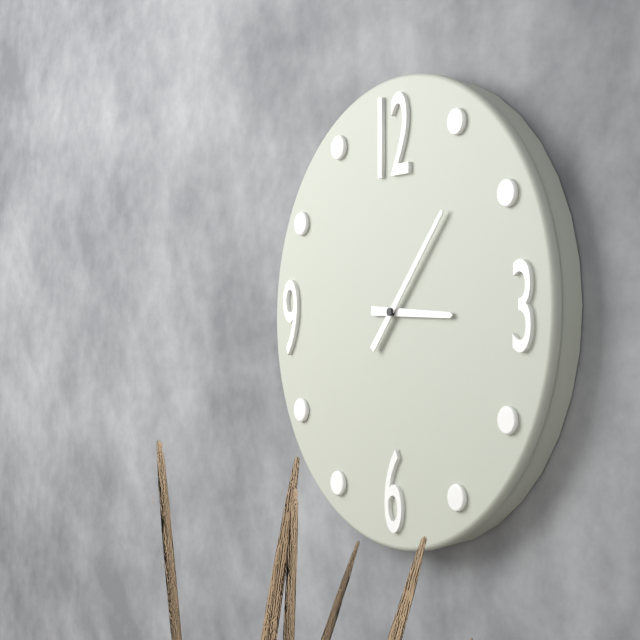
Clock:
3:07
